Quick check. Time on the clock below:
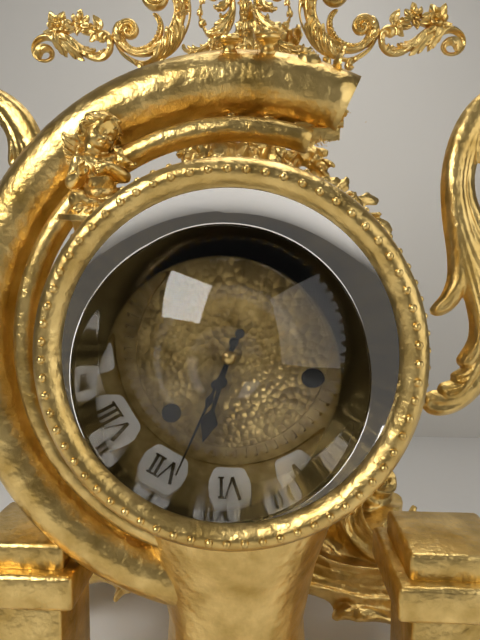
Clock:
6:34
